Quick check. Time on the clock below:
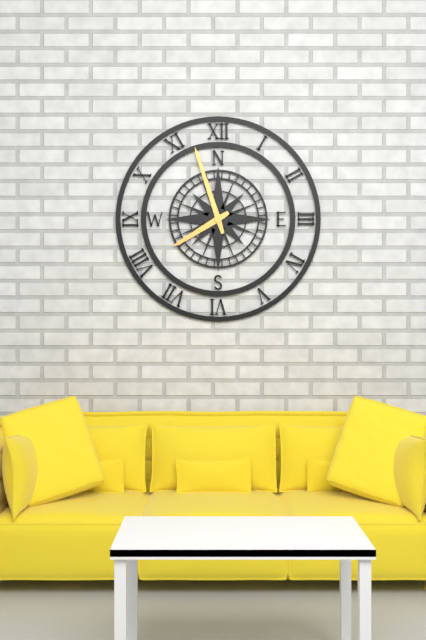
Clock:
7:57
